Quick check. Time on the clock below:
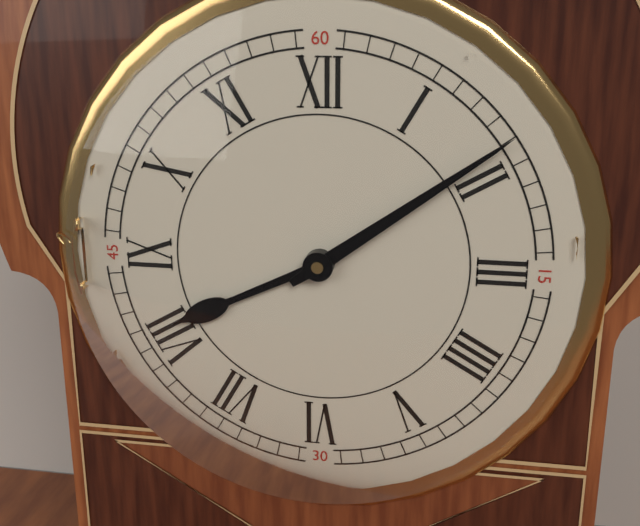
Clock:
8:09
